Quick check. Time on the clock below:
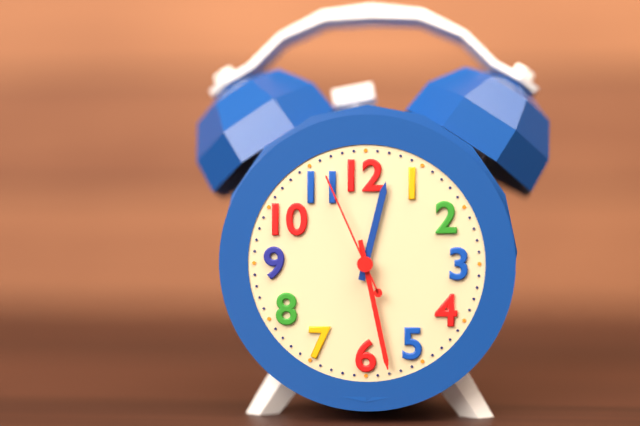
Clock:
12:28:56
